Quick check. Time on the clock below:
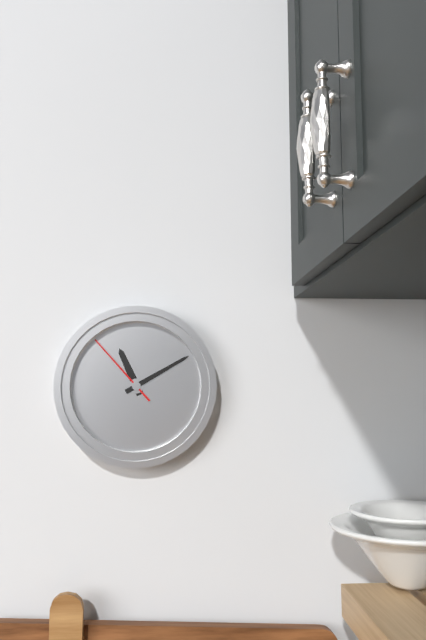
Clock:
11:10:53
